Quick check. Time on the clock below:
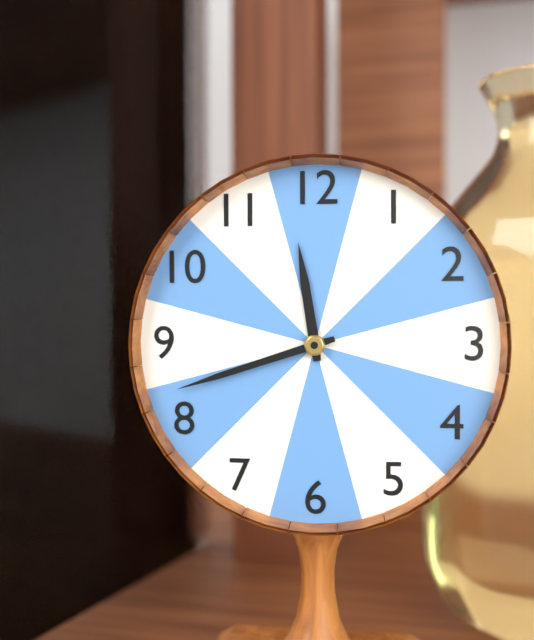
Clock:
11:42
